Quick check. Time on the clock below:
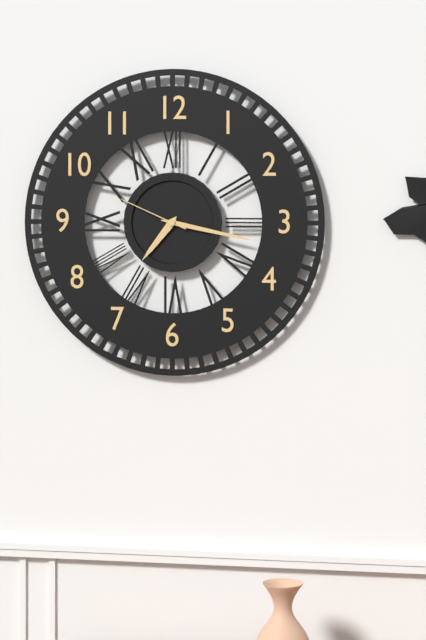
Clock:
7:17:49
